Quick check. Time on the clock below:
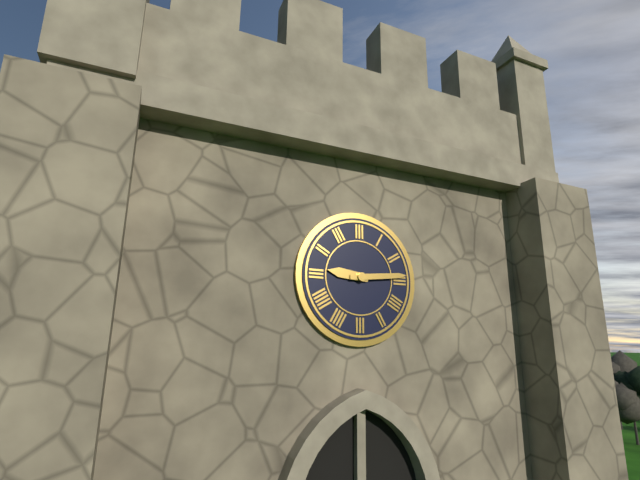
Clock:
9:14
